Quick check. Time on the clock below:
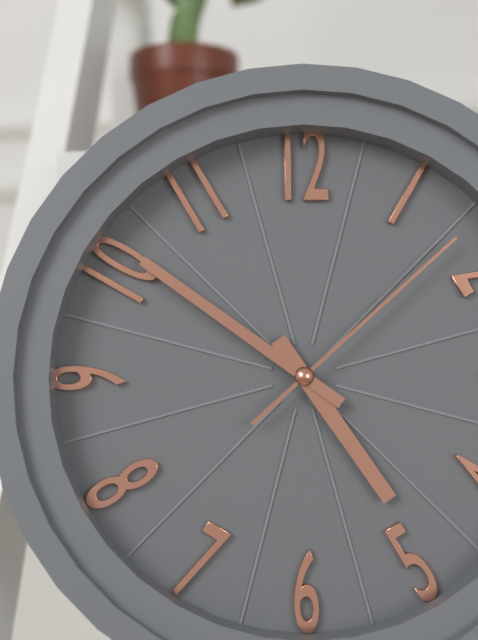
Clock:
4:51:08
